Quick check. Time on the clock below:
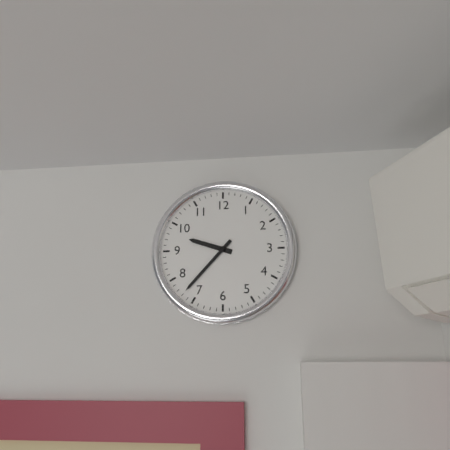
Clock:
9:37
